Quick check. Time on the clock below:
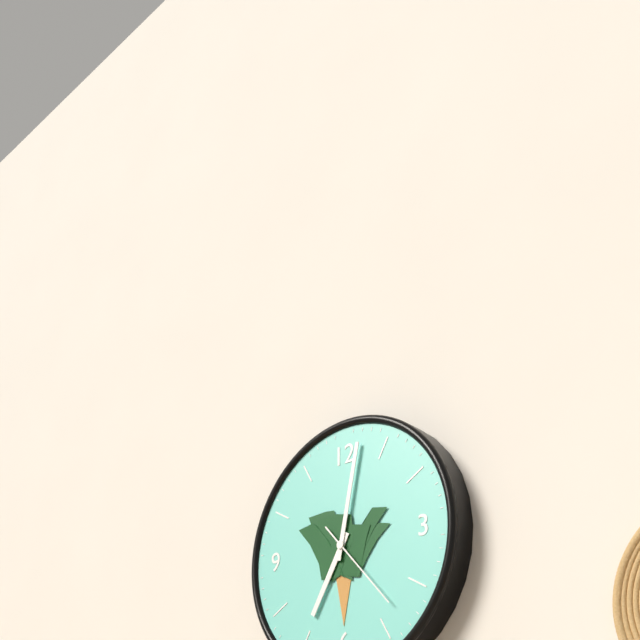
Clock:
7:02:23
